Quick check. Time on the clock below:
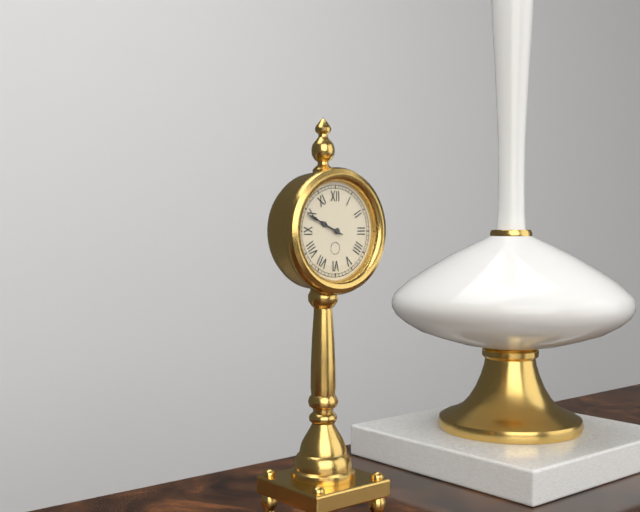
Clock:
9:49
